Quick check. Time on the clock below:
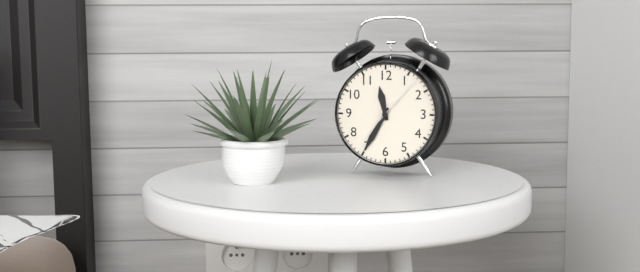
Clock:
11:35:07
